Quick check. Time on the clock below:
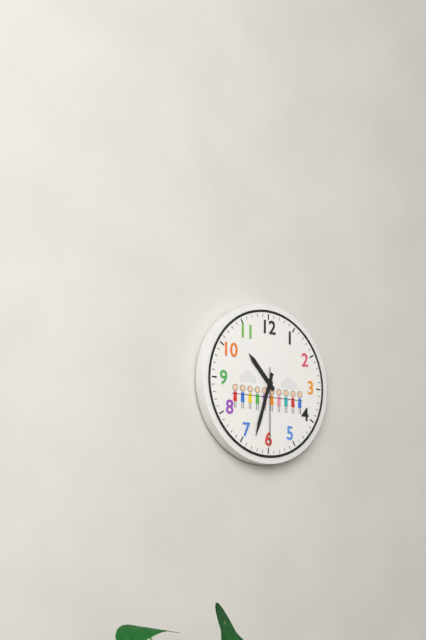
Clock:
10:33:30
